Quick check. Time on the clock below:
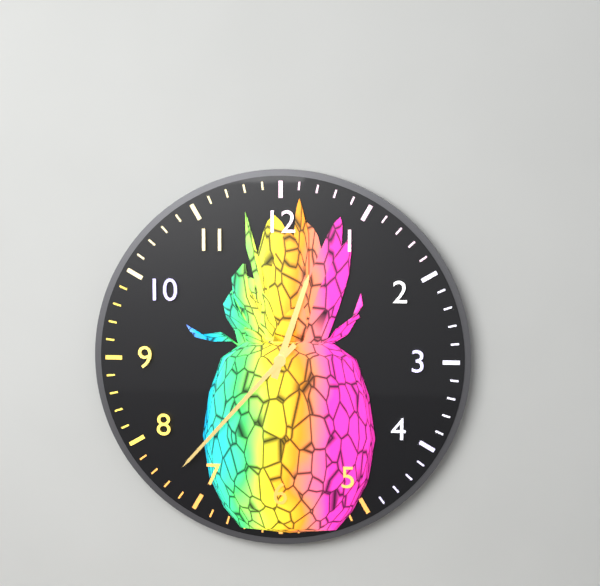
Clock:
12:37
